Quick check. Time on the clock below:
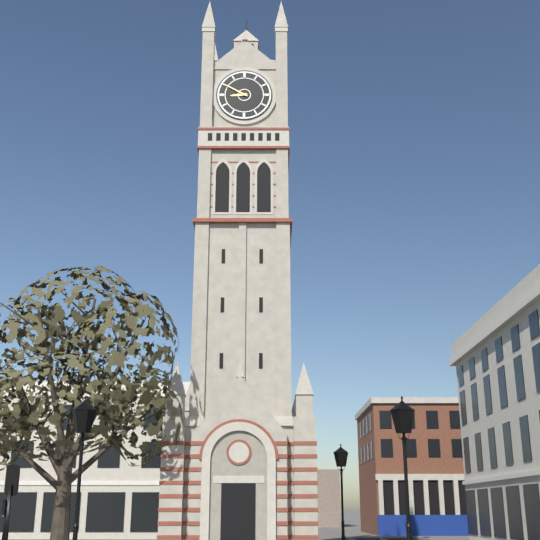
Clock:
8:50
